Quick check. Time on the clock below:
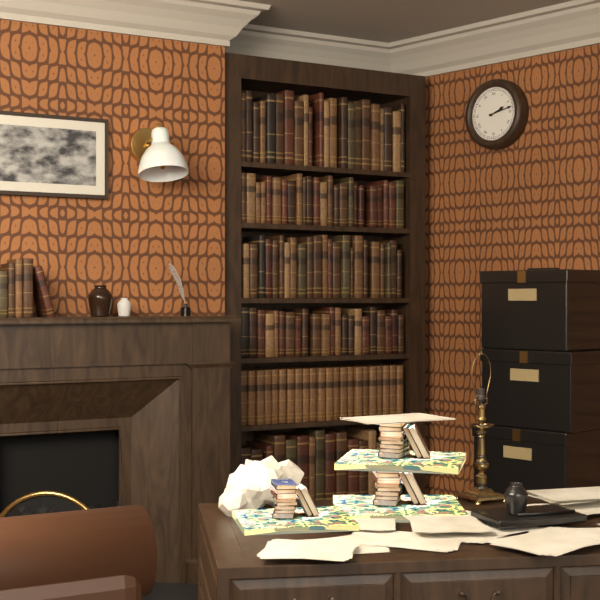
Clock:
2:13
